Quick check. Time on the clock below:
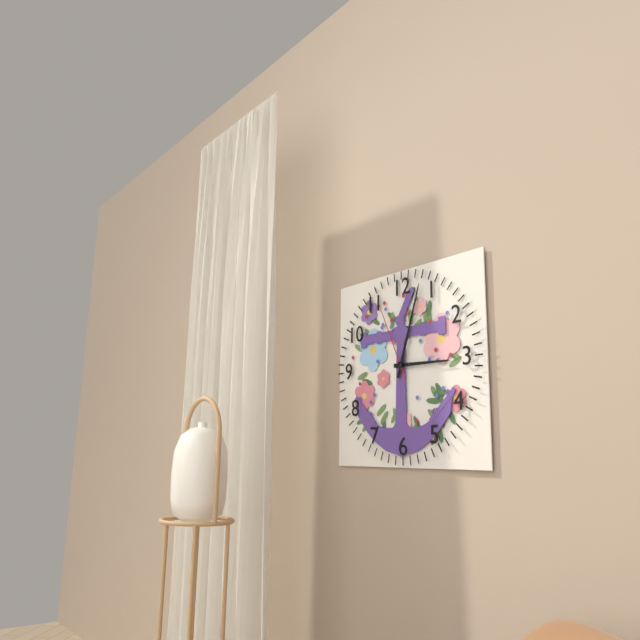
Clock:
3:03:56
